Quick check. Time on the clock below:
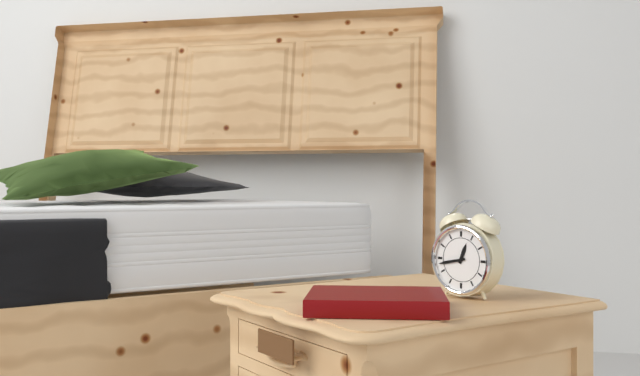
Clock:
12:43
